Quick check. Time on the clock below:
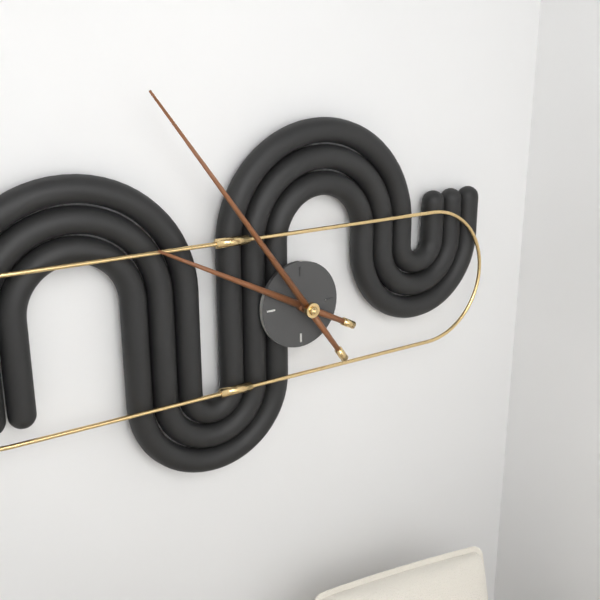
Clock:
9:54
